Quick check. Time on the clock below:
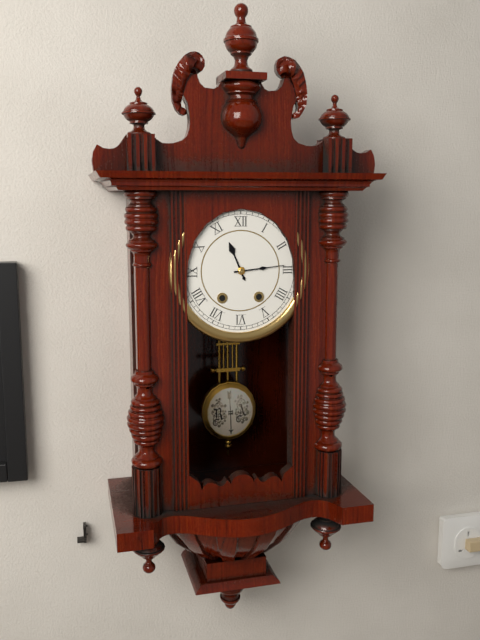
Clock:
11:14
